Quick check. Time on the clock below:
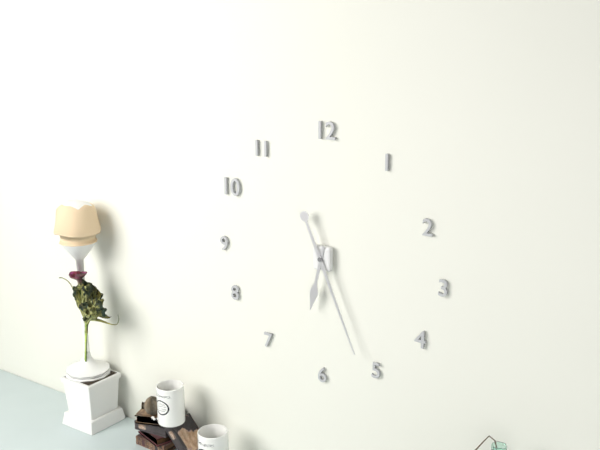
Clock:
6:26
